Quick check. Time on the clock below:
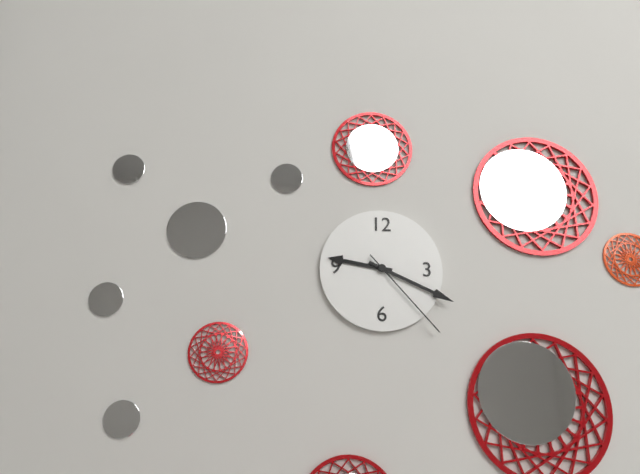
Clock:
9:19:23
